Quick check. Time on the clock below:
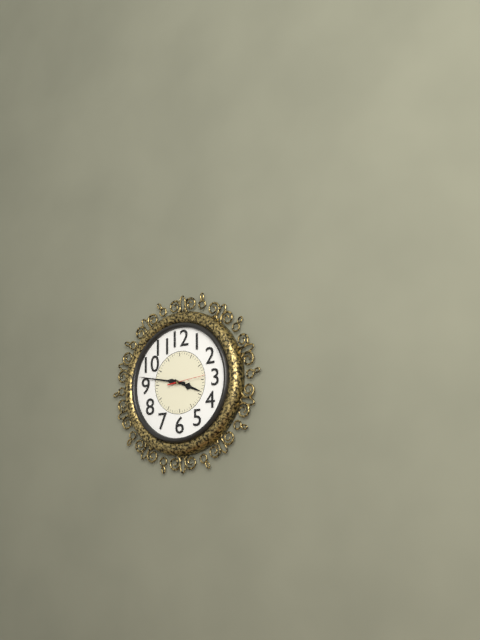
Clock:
3:47
